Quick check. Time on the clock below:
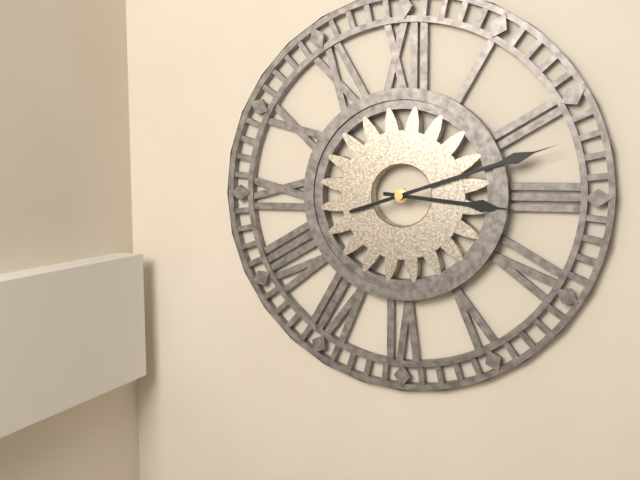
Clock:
3:12
